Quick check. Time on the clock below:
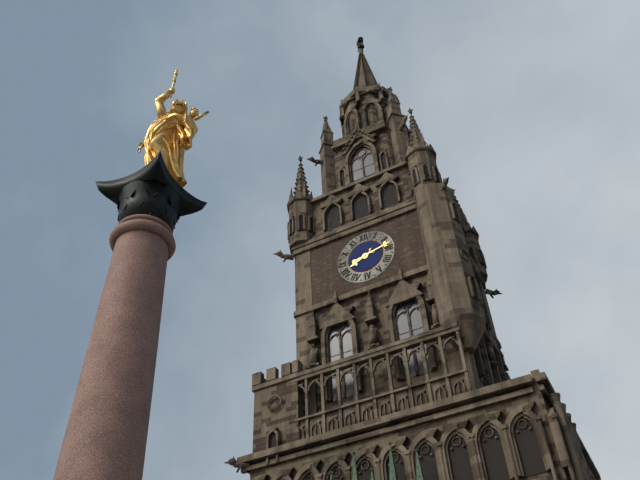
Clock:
8:13
